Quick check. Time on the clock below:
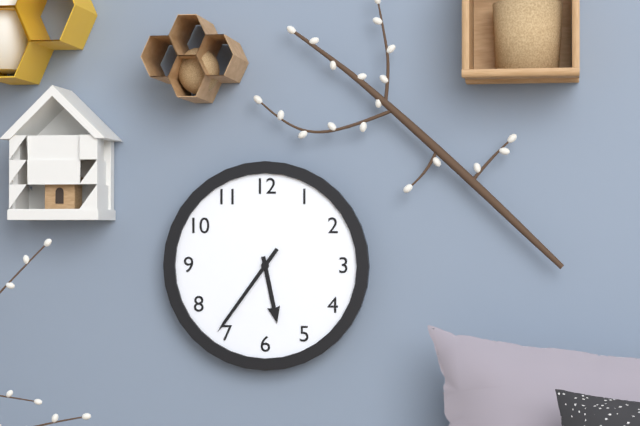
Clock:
5:36
